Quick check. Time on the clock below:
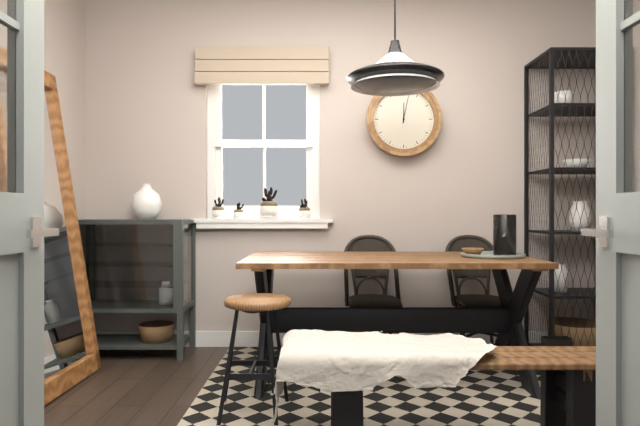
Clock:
12:02
